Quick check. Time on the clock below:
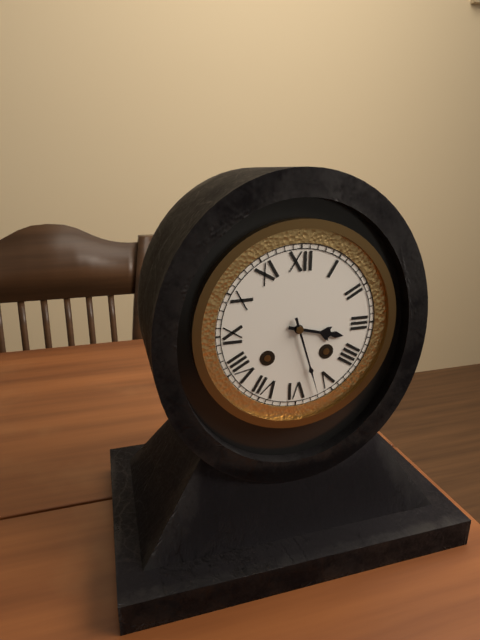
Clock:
3:27
